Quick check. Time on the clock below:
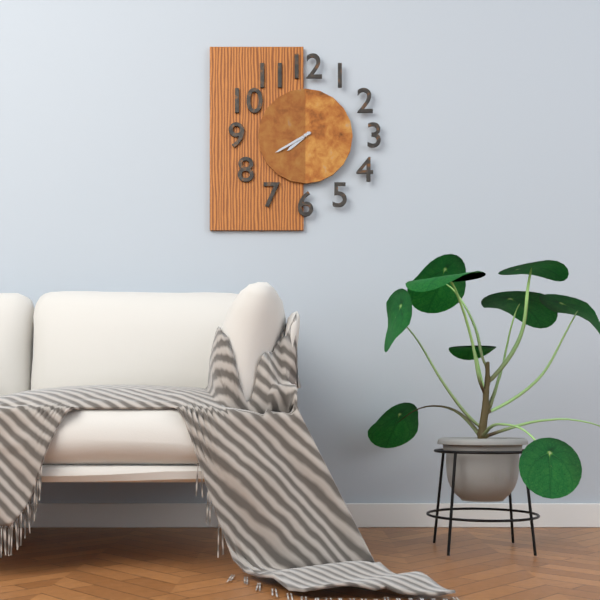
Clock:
7:40
